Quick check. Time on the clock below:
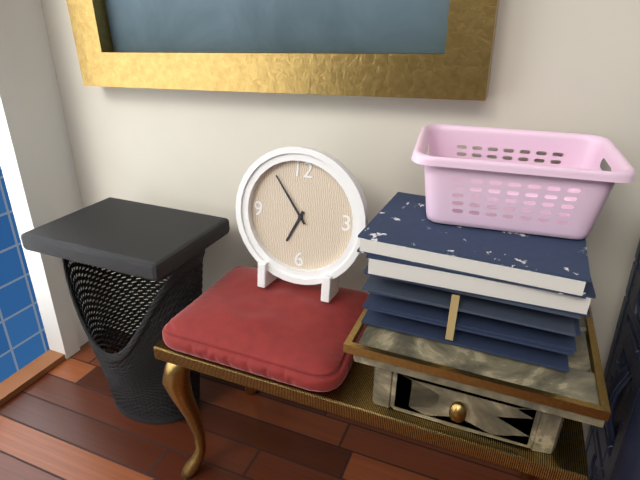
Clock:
6:54
